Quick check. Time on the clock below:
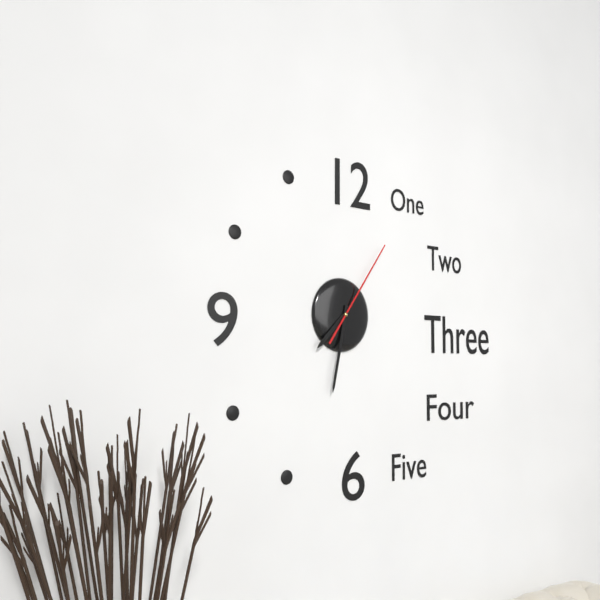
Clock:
7:32:06
